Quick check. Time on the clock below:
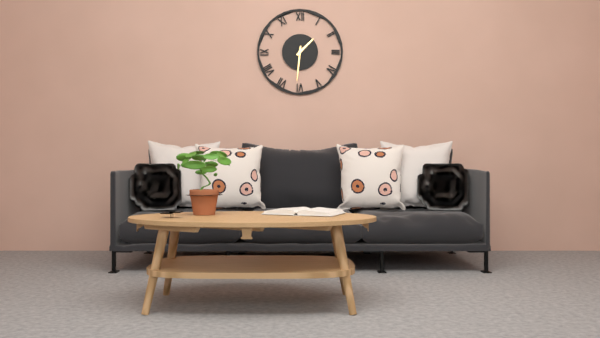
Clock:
1:31
